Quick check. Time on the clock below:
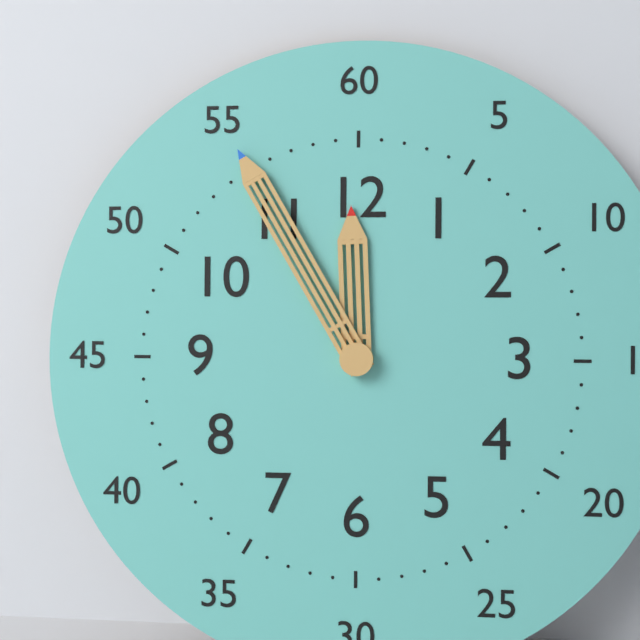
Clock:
11:55
